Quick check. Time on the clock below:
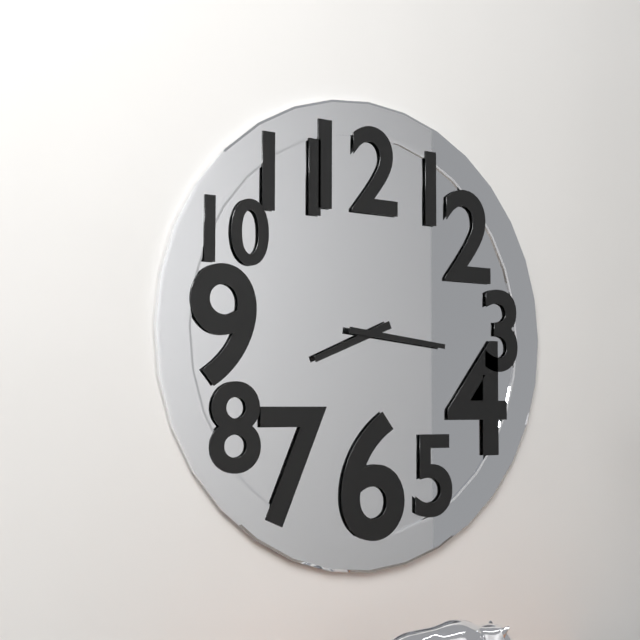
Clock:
8:16
